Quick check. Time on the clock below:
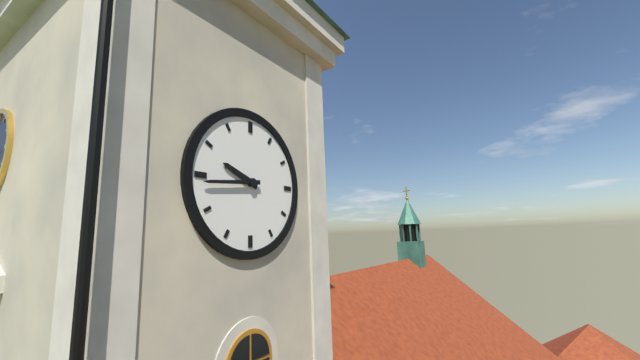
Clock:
9:44
